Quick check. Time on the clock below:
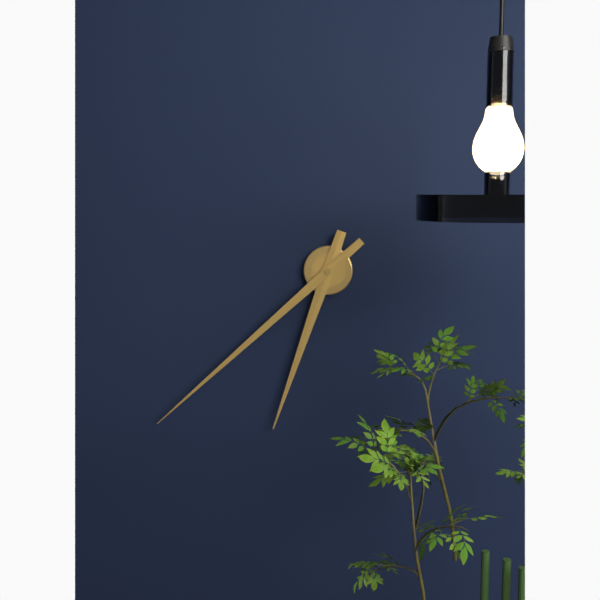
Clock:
6:38
